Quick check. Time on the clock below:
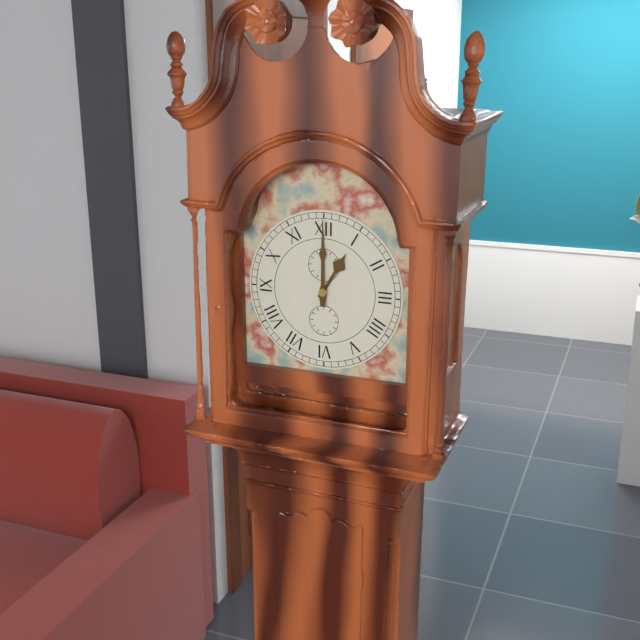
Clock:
1:00
